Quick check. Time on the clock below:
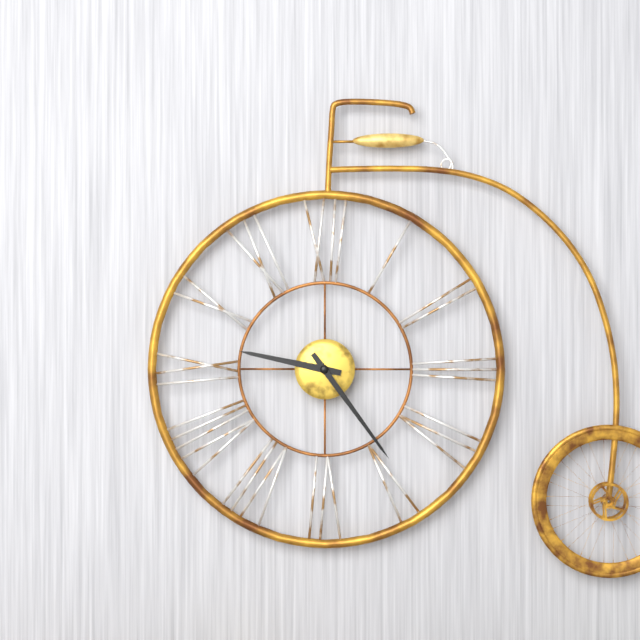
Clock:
9:24
